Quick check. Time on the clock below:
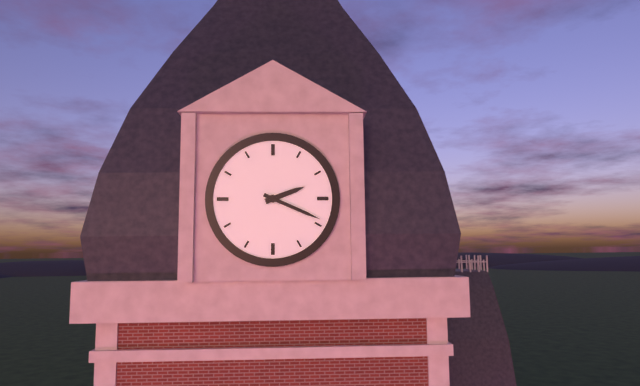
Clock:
2:19
